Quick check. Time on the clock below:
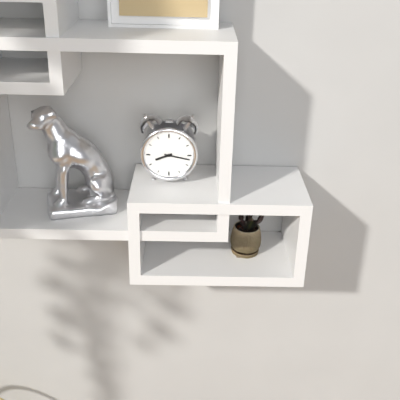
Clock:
8:17
